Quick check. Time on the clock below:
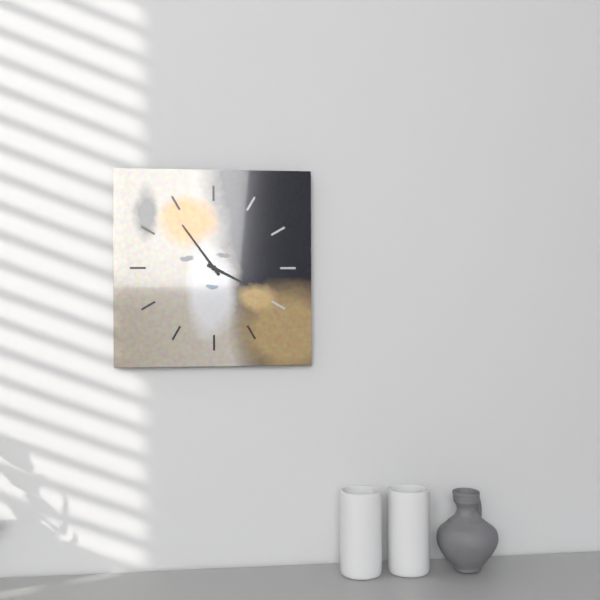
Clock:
3:54
